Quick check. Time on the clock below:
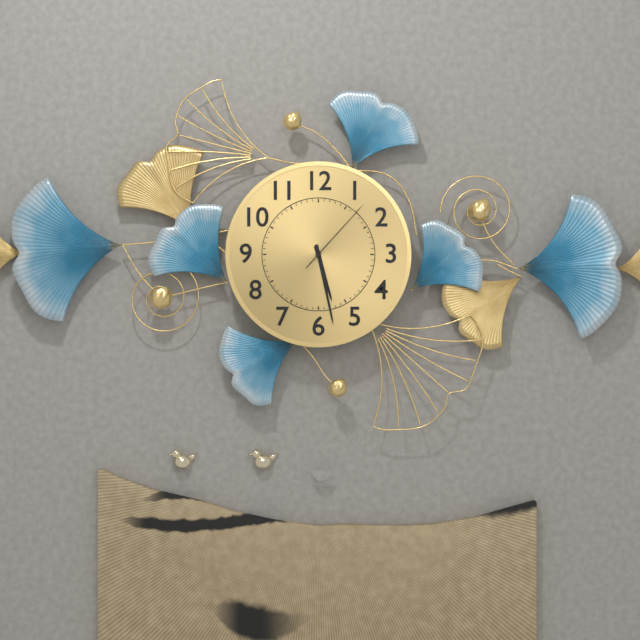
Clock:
5:28:07
